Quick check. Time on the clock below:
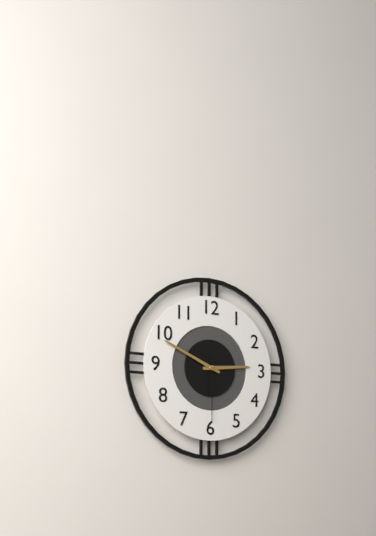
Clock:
2:49:30
